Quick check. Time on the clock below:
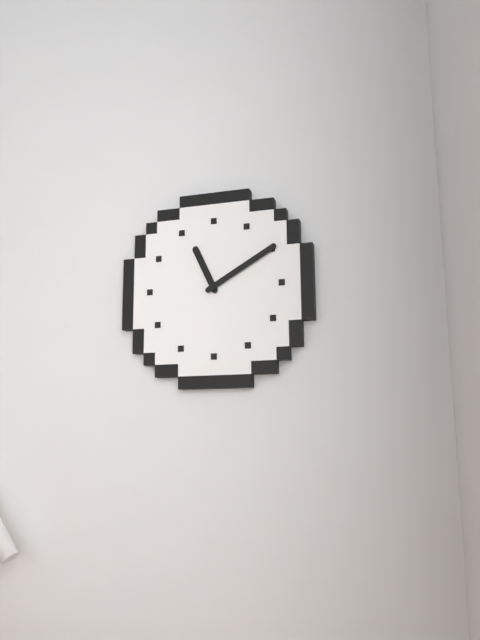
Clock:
11:10
